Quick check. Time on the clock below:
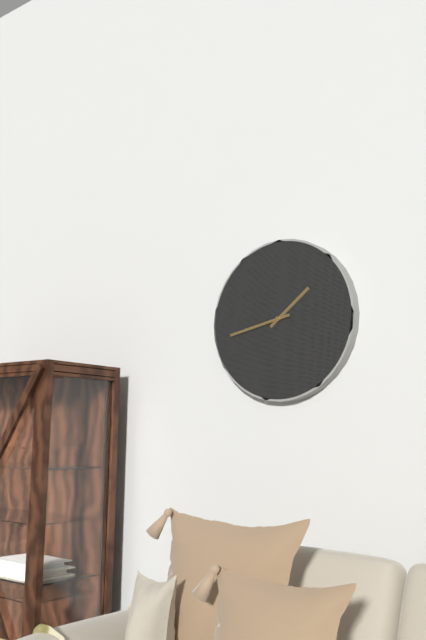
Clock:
1:43
